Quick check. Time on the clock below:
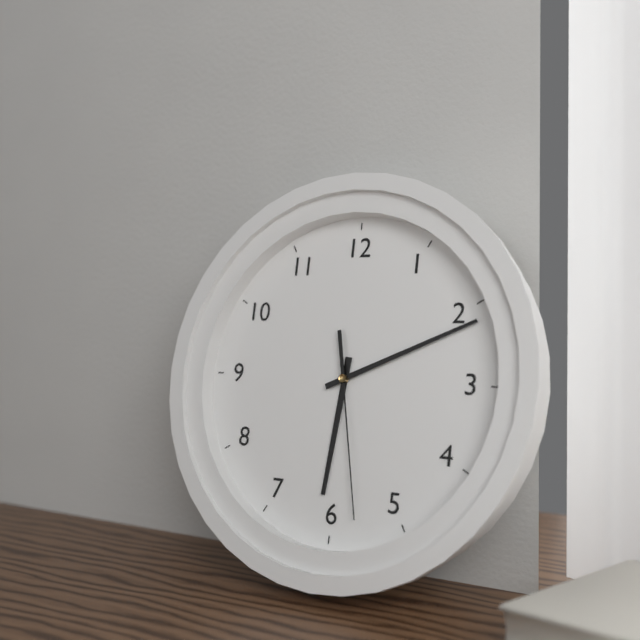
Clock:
6:11:28
